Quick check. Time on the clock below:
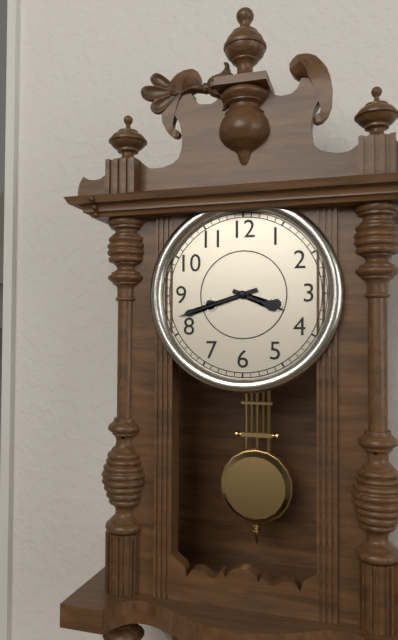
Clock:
3:42
